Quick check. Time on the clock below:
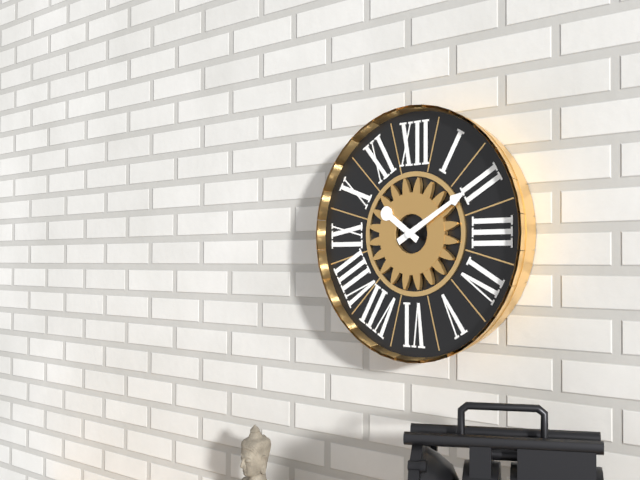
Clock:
10:10
